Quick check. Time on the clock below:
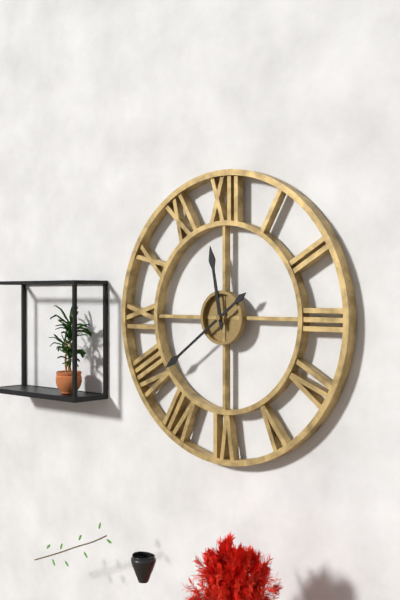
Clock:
11:39
